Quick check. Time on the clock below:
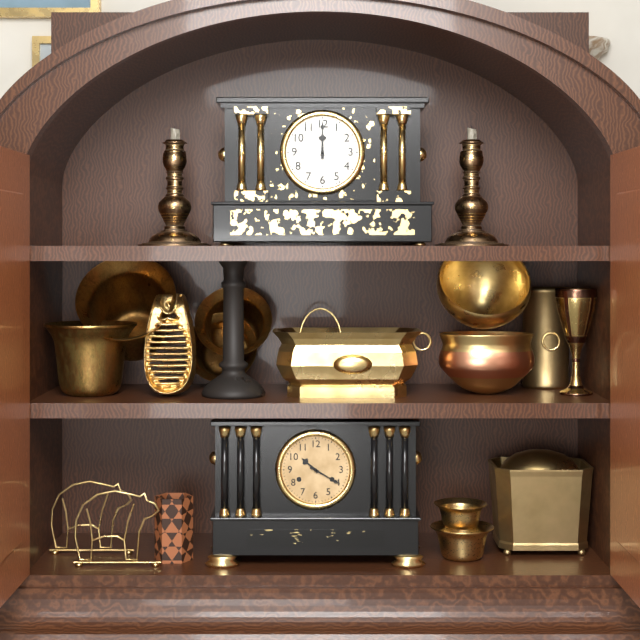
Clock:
12:00
